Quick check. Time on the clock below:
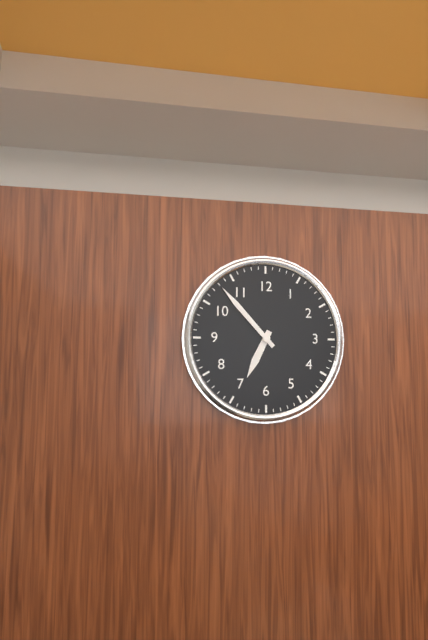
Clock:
6:53
